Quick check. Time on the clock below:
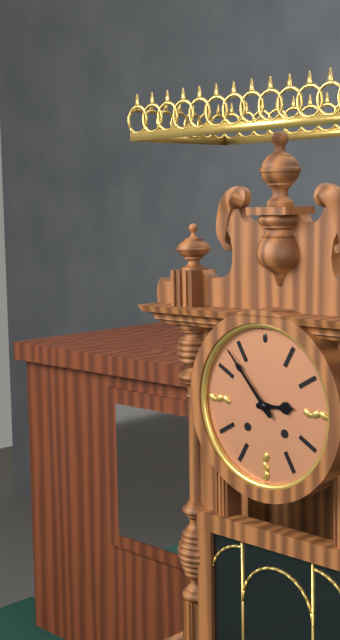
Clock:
2:53
